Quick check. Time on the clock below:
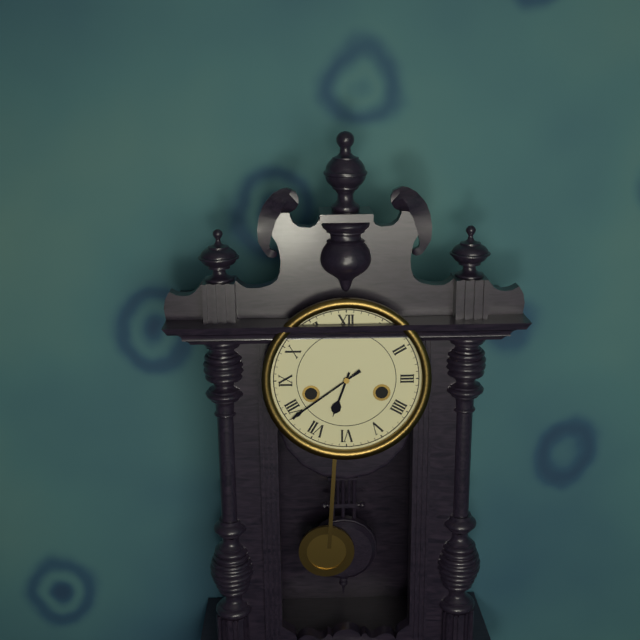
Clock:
6:39
